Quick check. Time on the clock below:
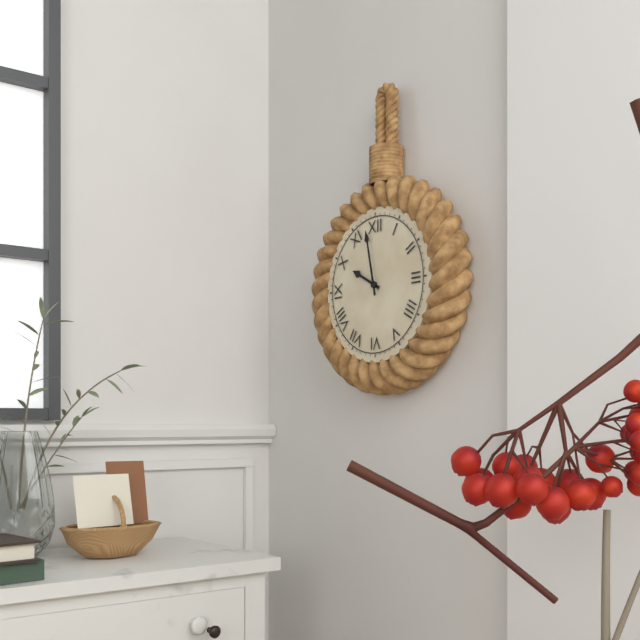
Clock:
9:58
